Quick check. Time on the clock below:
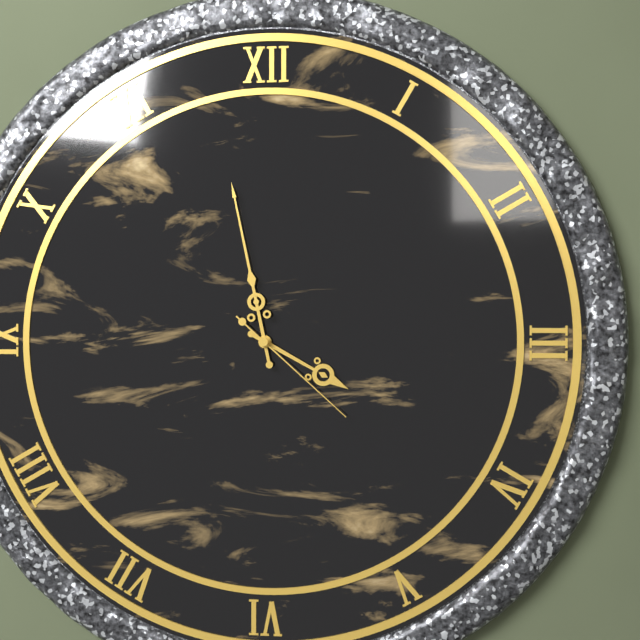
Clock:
3:58:22
